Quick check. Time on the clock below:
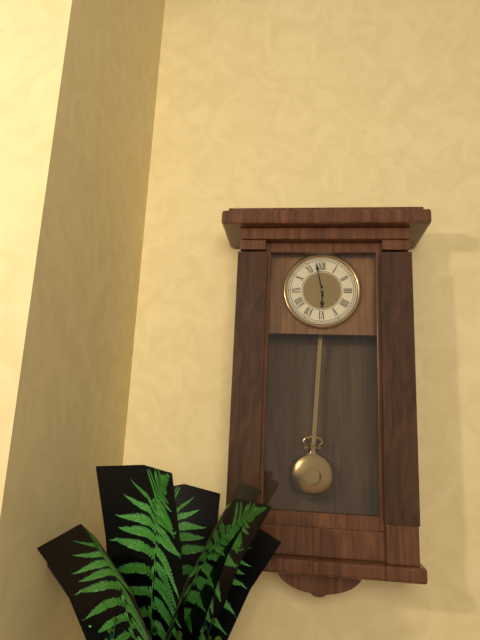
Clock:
5:58
